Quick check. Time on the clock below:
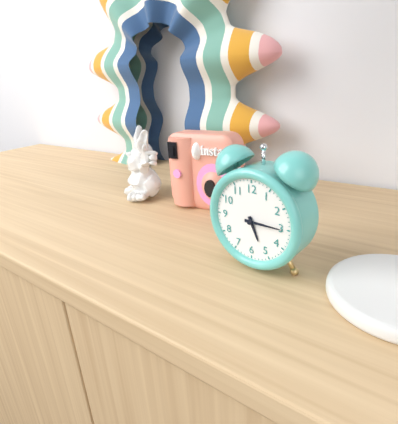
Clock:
5:15
